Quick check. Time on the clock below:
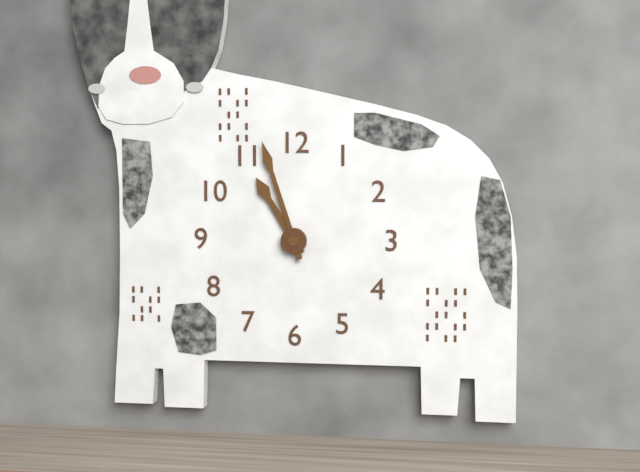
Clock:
10:57
